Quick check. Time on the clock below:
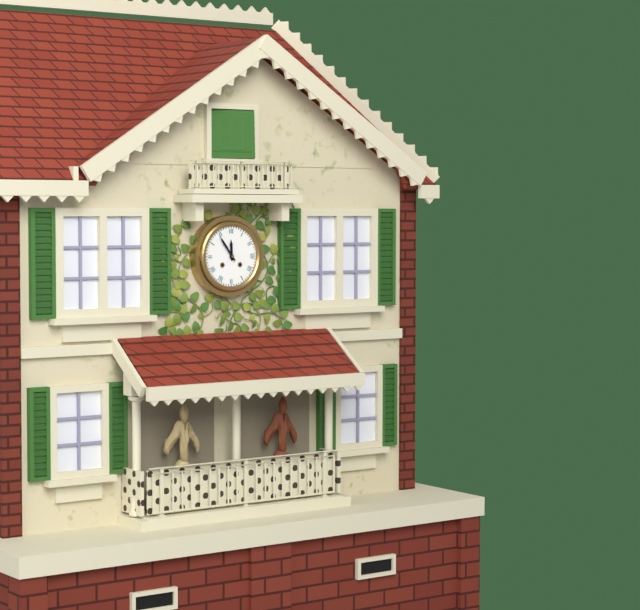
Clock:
11:54
